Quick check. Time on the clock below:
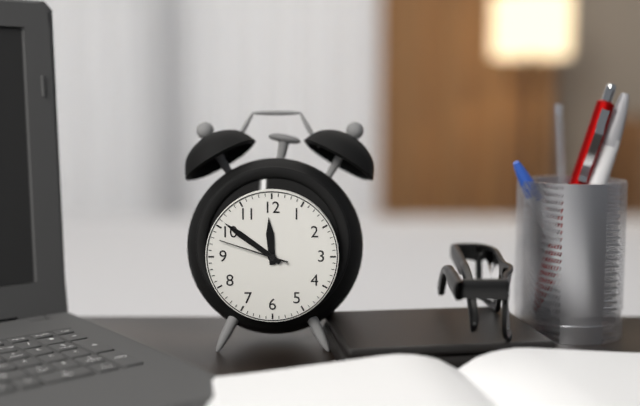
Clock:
11:51:48
